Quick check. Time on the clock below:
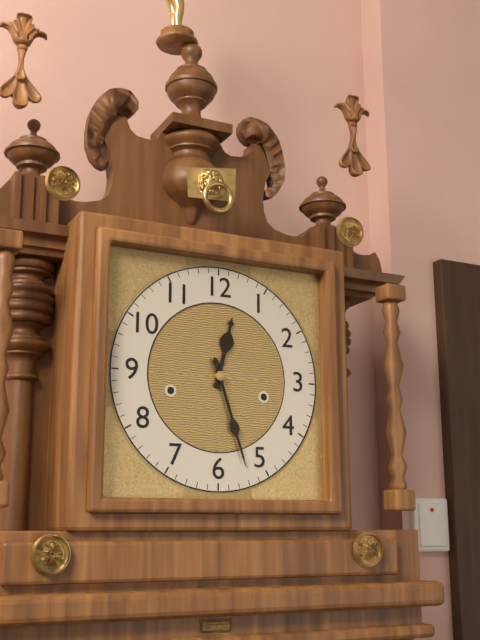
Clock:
12:27
